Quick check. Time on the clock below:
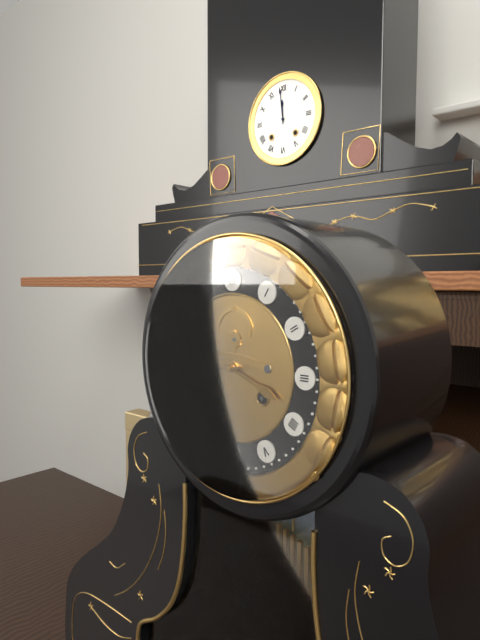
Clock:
3:44
